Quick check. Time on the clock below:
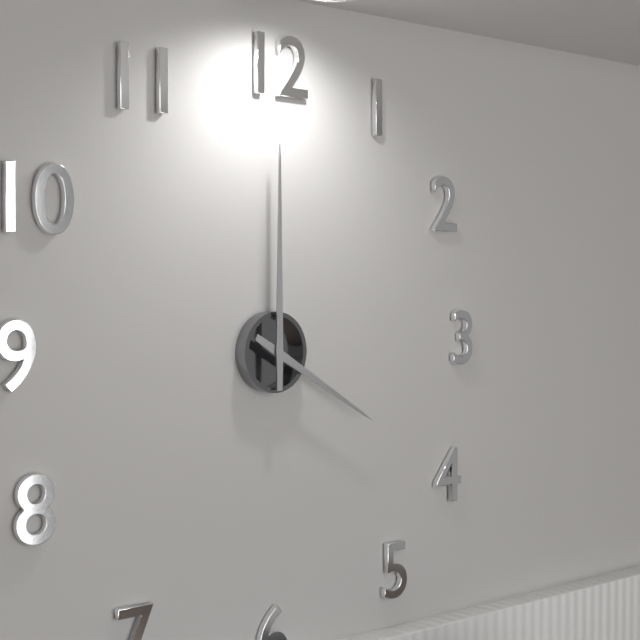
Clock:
4:00
